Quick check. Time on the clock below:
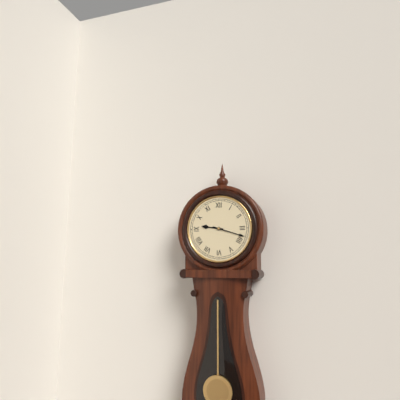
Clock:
9:18
